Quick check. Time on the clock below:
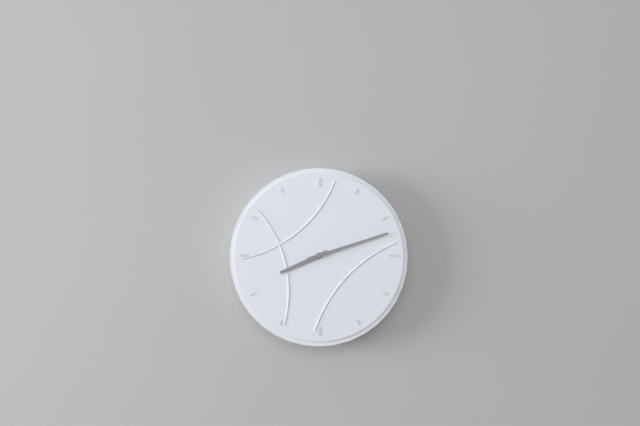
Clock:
8:12
